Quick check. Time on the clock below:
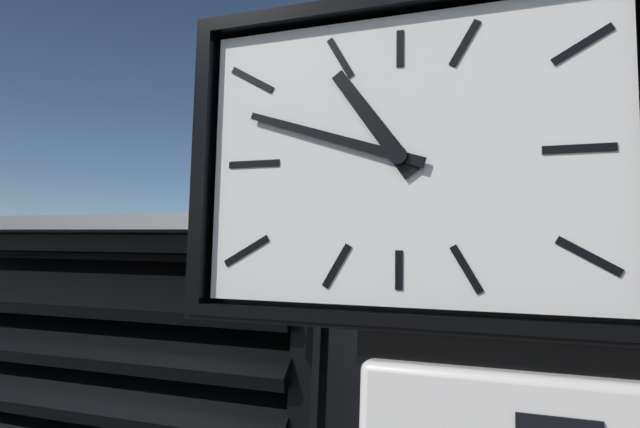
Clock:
10:48
